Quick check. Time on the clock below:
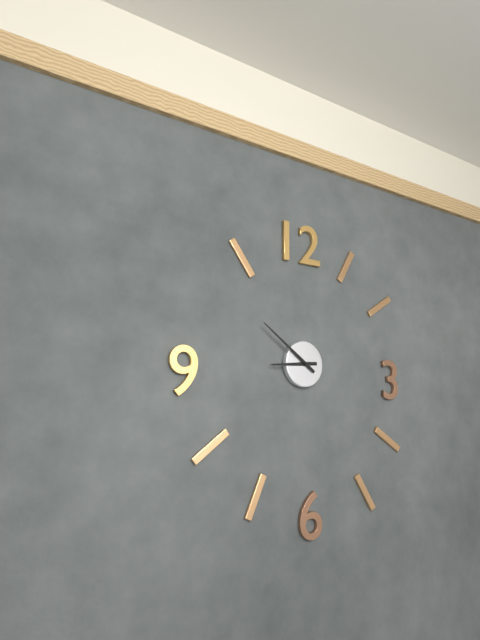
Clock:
8:51
